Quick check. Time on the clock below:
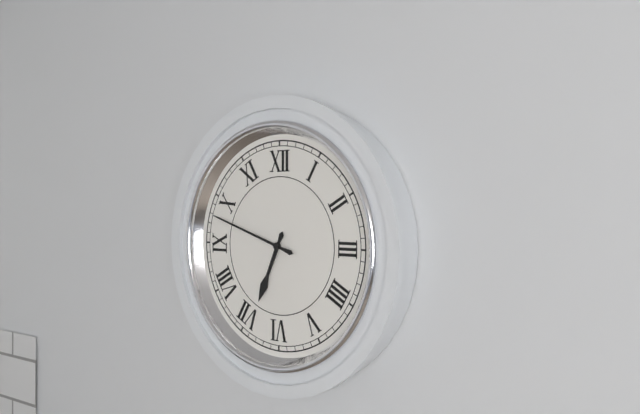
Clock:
6:48
